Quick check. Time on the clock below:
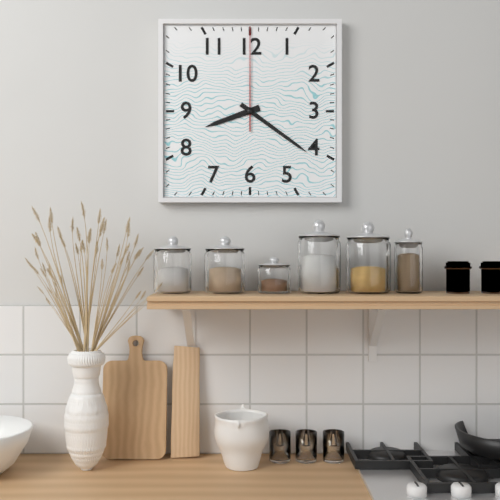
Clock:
8:21:00
